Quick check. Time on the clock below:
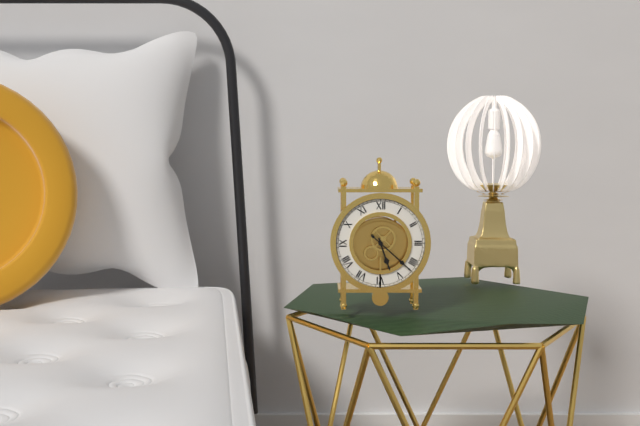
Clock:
5:22
